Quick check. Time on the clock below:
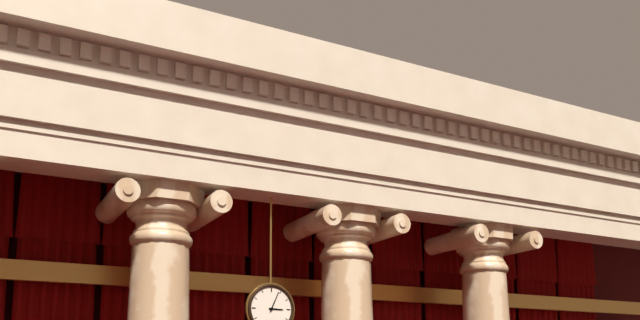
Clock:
3:04
